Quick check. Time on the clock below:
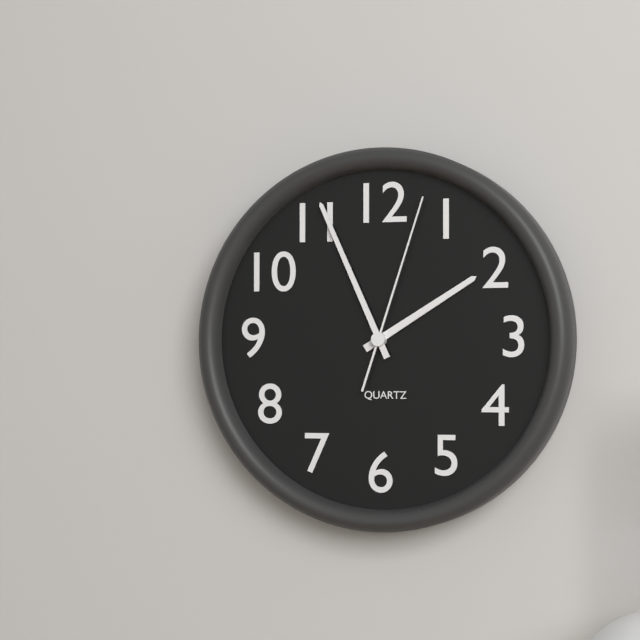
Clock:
1:56:03
